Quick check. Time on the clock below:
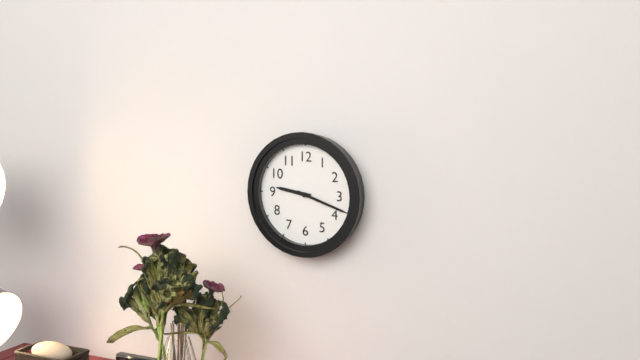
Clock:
9:18
